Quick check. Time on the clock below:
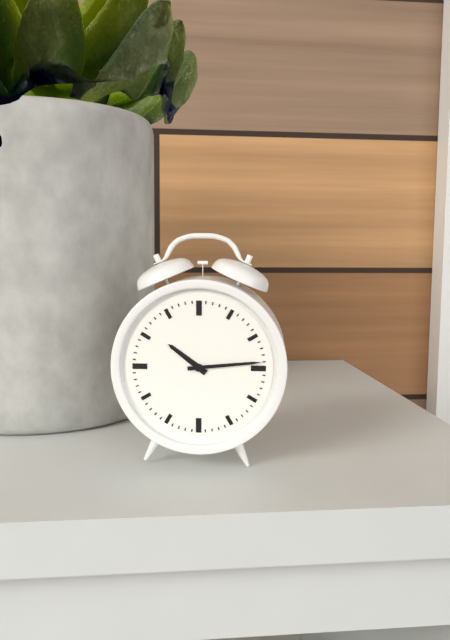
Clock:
10:14
